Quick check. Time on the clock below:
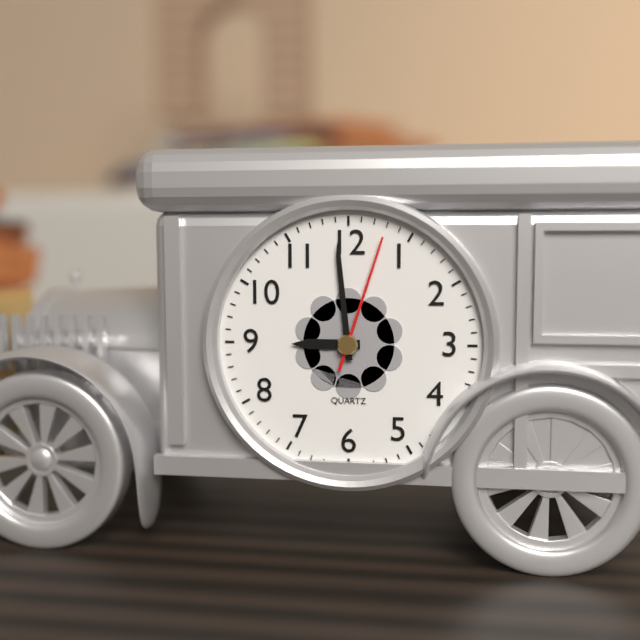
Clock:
8:59:03
